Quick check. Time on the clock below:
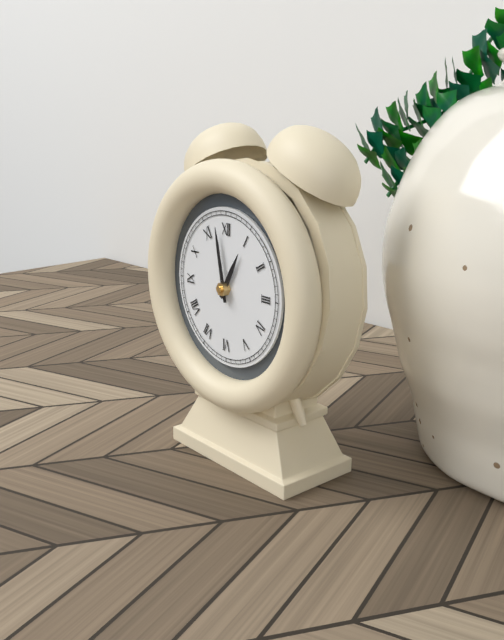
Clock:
12:58
